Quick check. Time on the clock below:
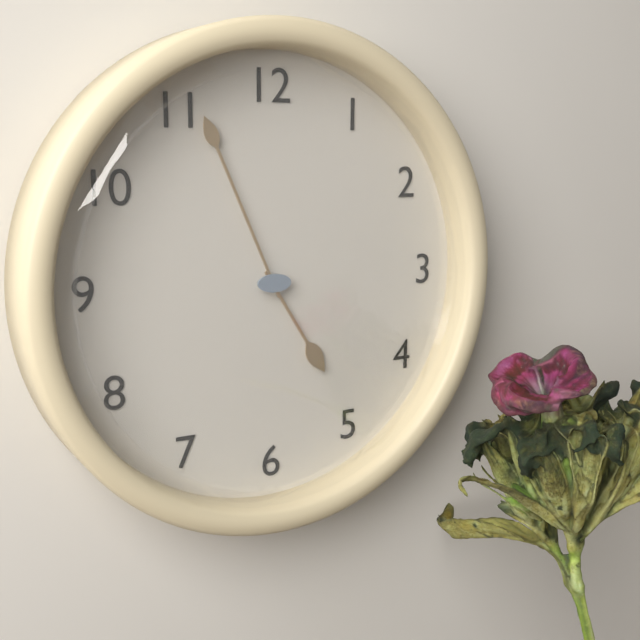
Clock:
4:56
